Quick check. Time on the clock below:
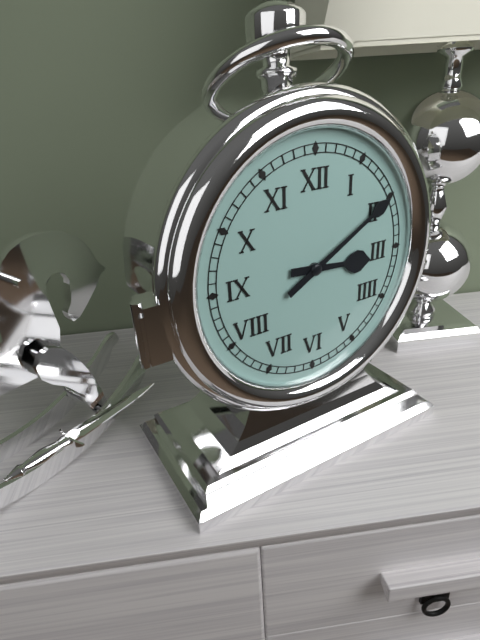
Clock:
3:10
